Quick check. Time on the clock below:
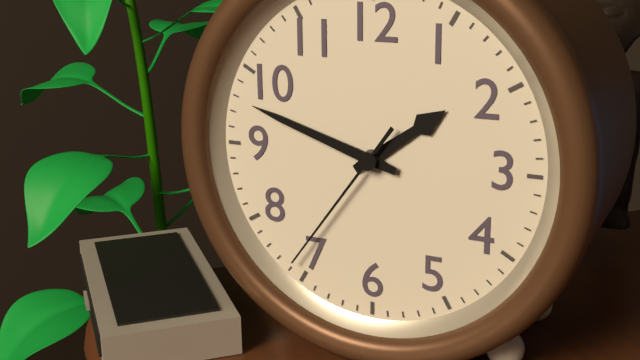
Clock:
1:48:36
